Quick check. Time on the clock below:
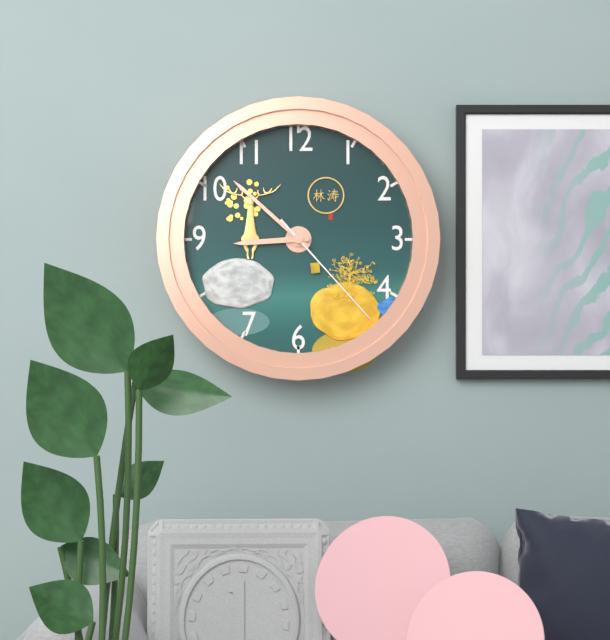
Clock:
8:52:23
